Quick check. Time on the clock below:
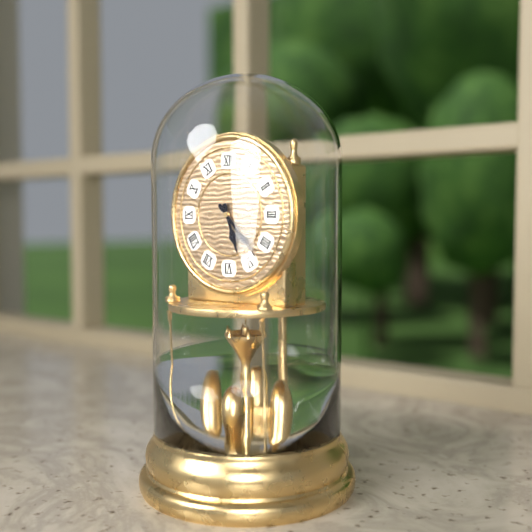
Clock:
5:23
